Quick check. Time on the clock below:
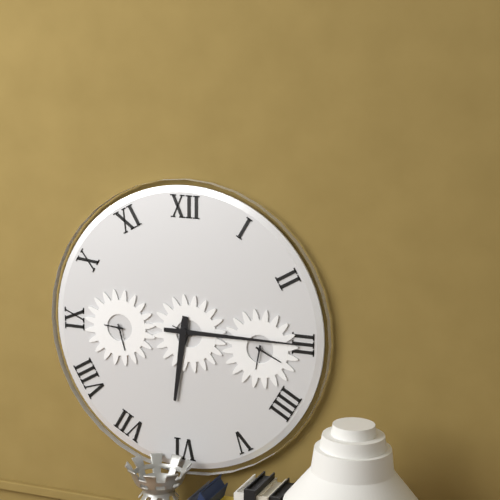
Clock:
6:15
